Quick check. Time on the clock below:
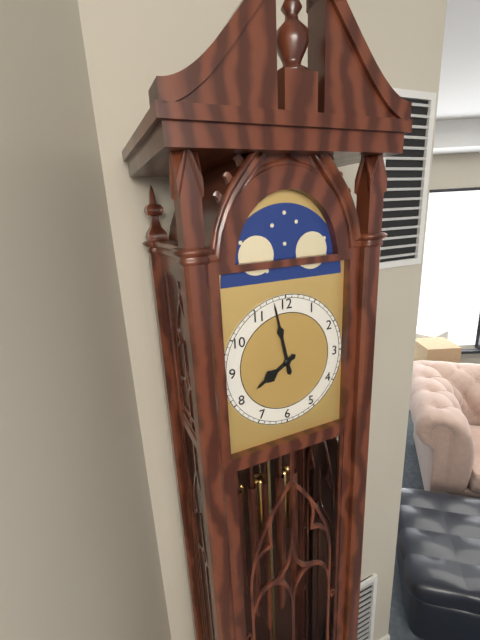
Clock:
7:58
